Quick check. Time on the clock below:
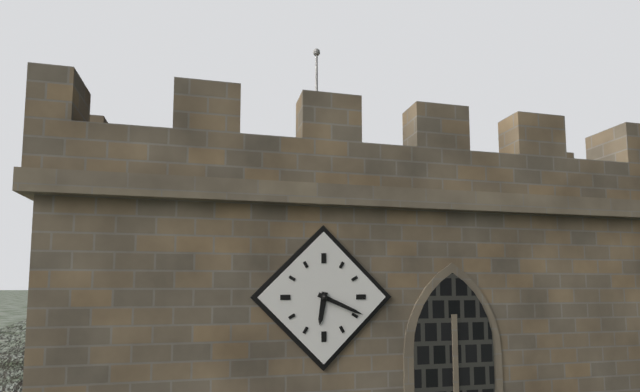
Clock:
6:19
